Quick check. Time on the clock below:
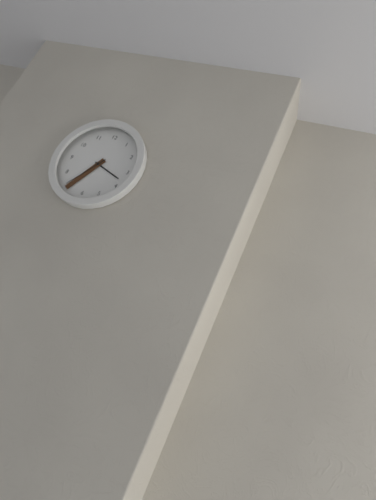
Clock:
3:35
